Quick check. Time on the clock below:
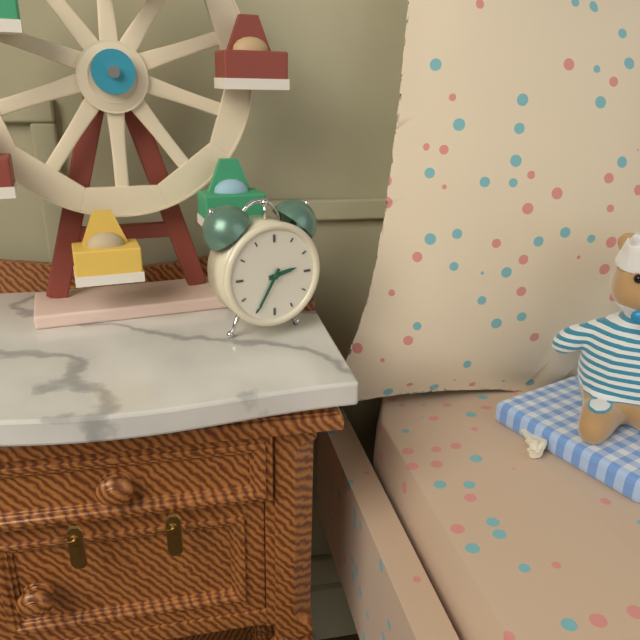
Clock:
2:35
